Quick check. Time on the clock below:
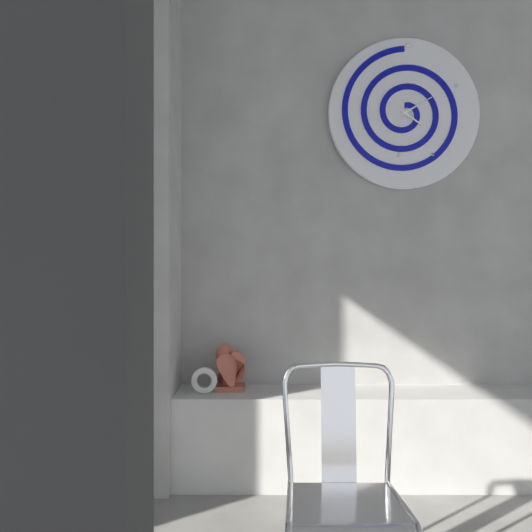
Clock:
4:10
